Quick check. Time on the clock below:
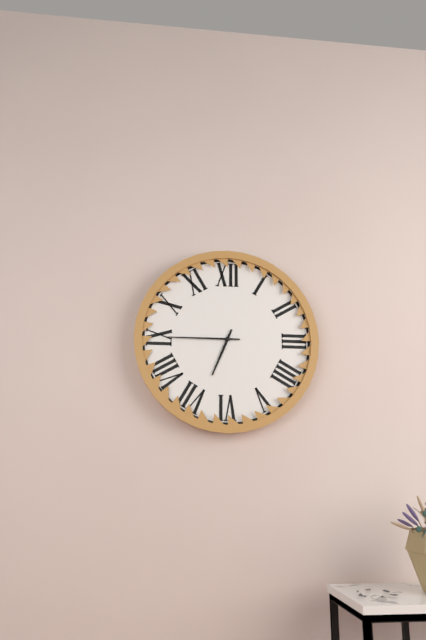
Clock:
6:45
